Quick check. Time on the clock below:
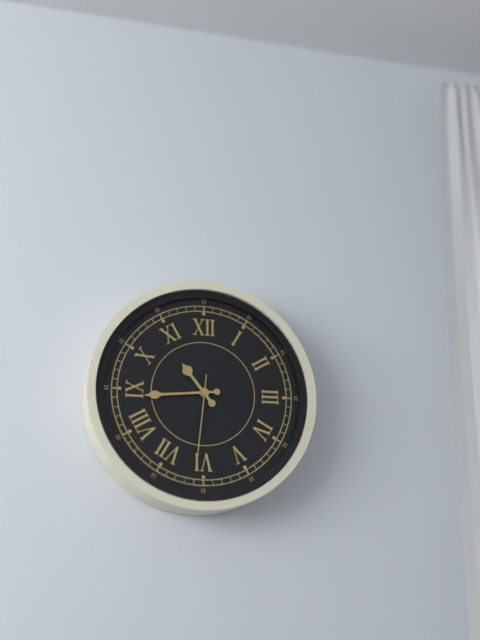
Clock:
10:44:31
